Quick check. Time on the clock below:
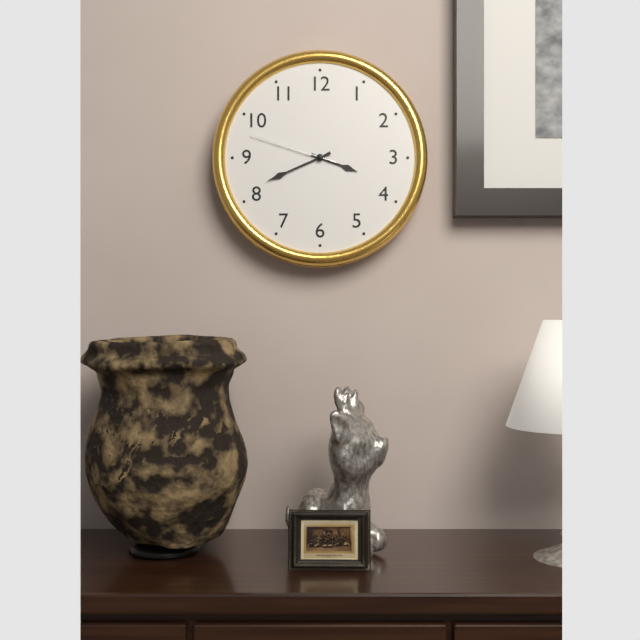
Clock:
3:41:48
